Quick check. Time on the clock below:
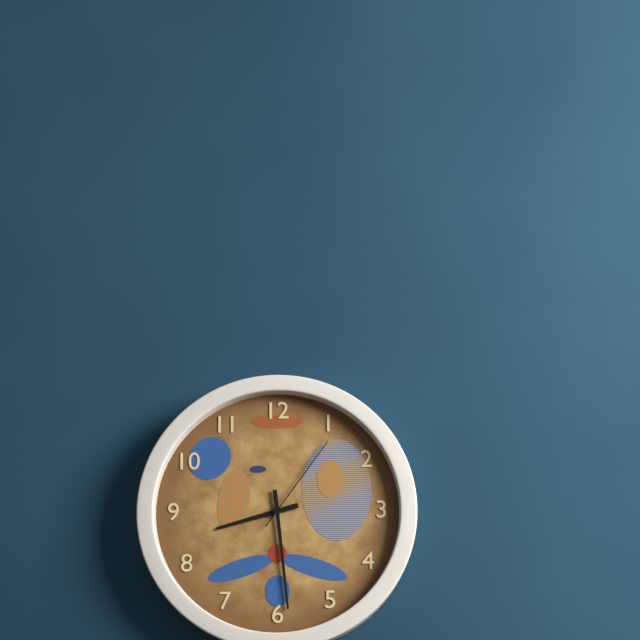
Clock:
8:29:06
